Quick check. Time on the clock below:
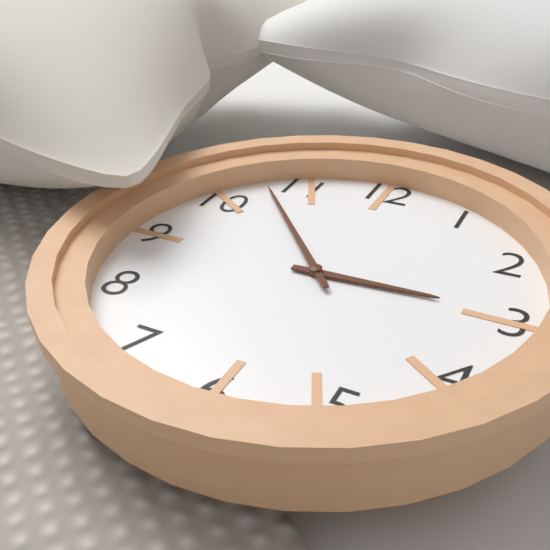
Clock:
2:53
